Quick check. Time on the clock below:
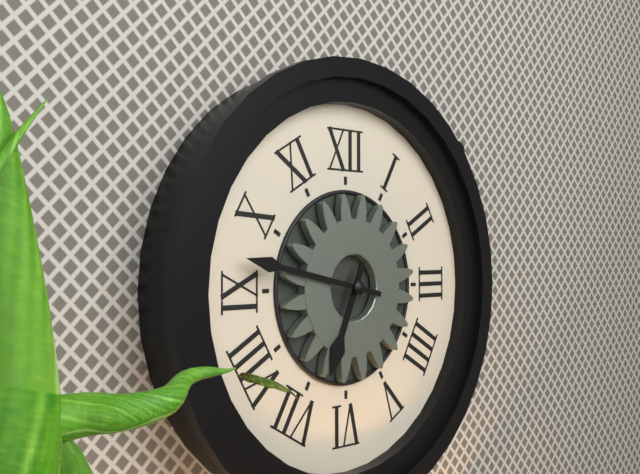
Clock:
6:47
